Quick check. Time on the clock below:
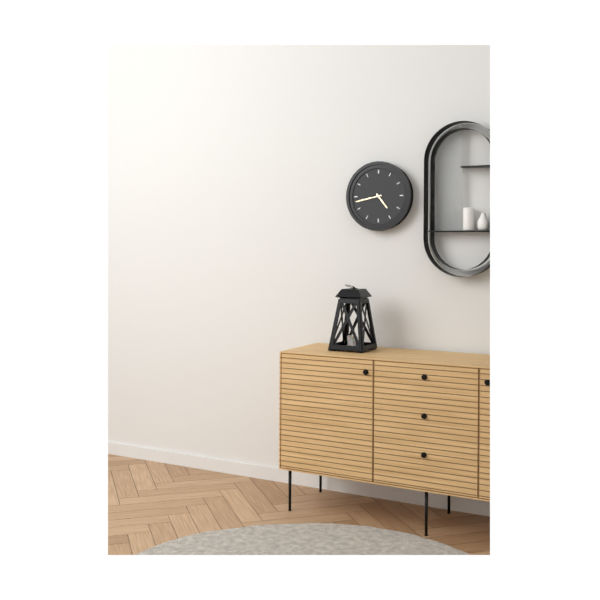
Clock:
4:43
